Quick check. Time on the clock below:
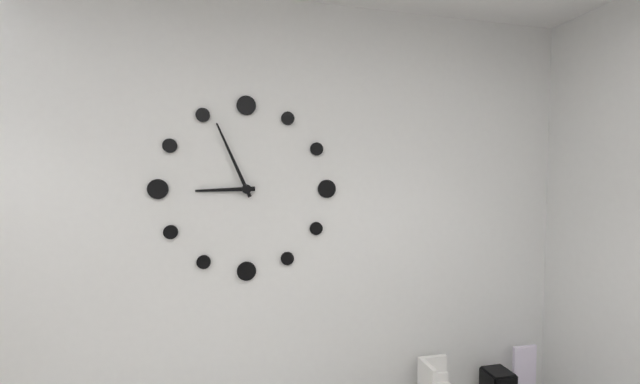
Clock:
8:56
